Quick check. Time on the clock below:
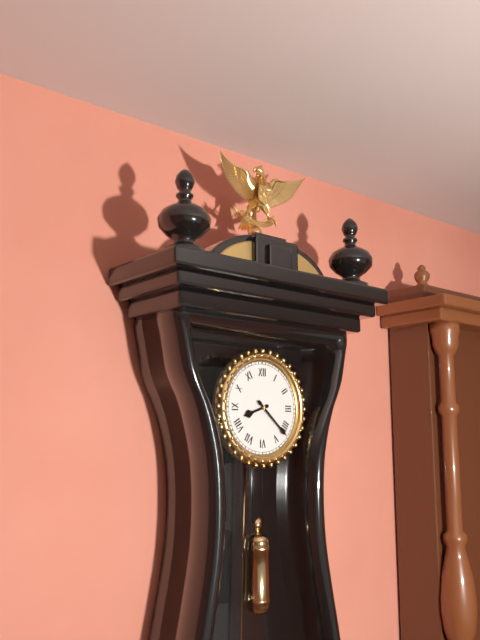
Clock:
8:22
